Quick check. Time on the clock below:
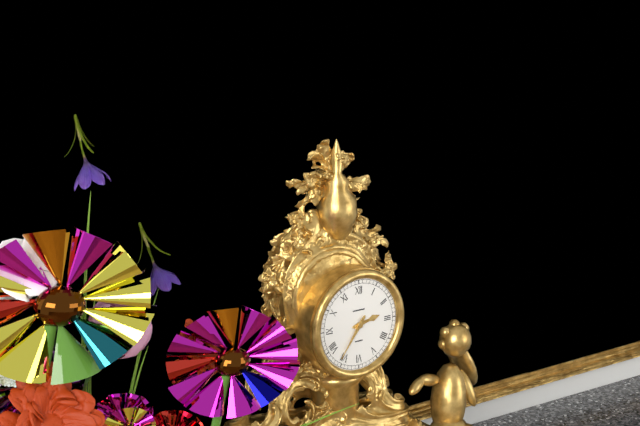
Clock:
2:36
